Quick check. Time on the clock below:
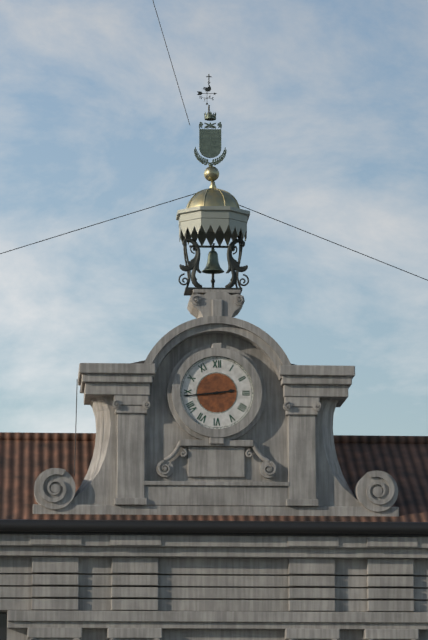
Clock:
2:44
